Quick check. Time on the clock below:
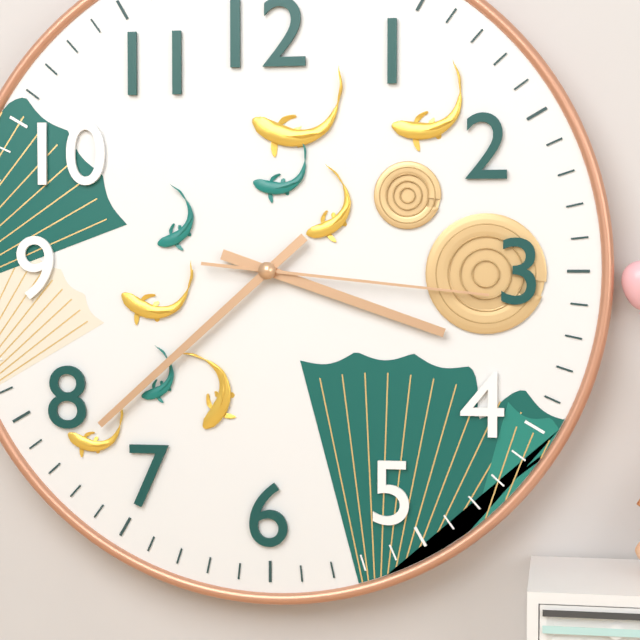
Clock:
3:38:16
